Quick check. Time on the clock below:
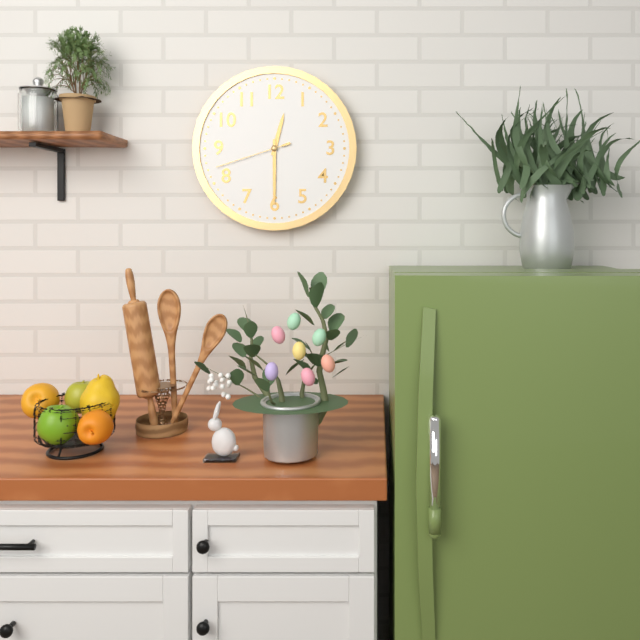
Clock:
12:30:42
